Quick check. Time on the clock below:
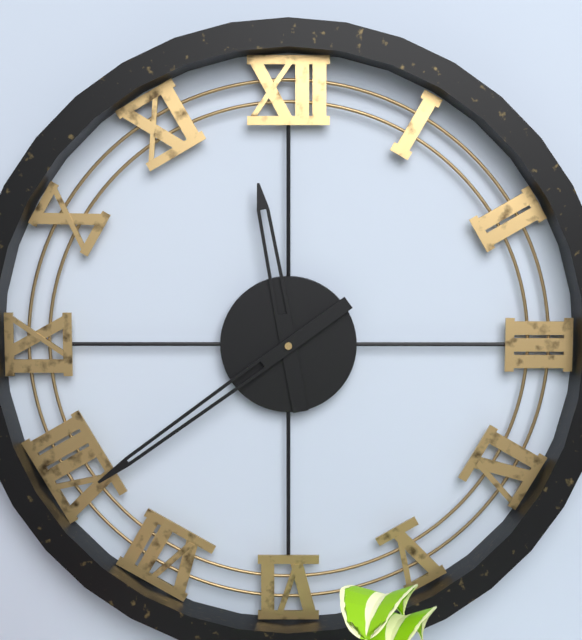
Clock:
11:39
